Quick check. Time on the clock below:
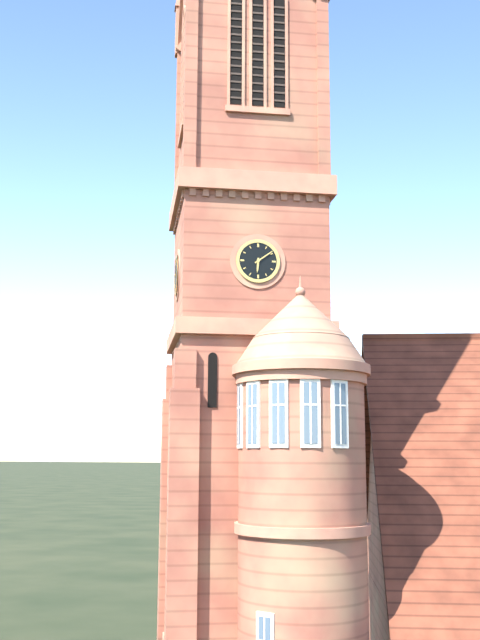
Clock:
6:09
